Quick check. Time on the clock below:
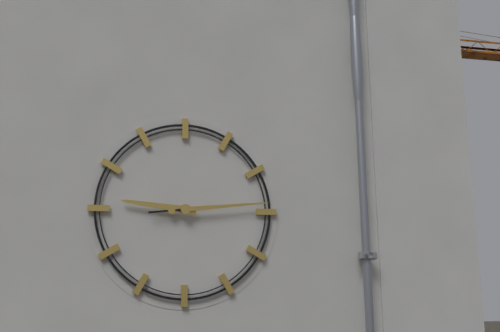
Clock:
9:14
